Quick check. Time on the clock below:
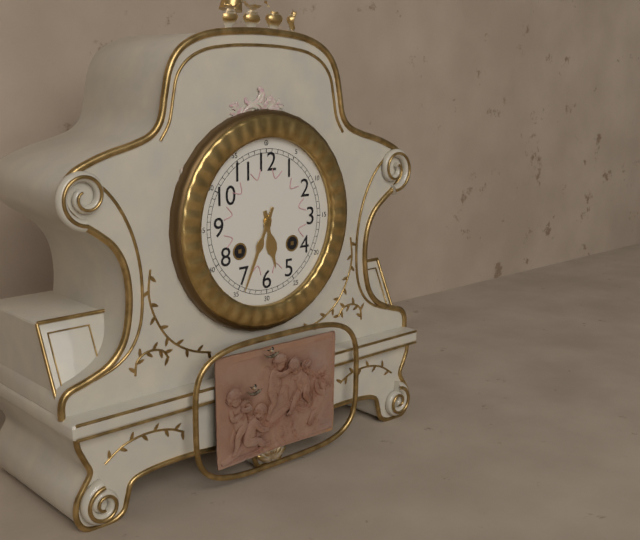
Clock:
5:34
